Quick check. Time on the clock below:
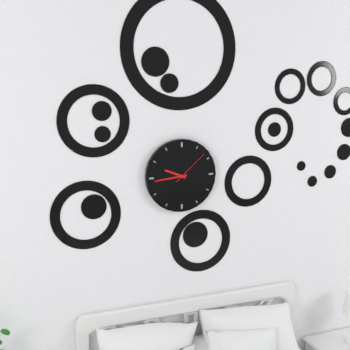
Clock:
9:44
